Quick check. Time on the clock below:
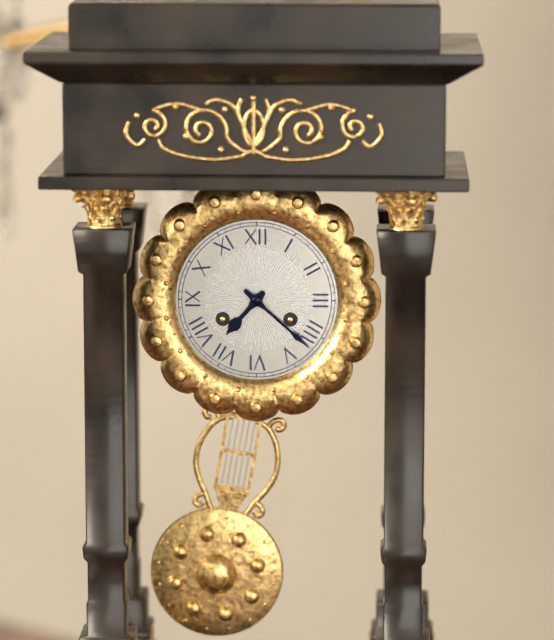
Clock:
7:22
